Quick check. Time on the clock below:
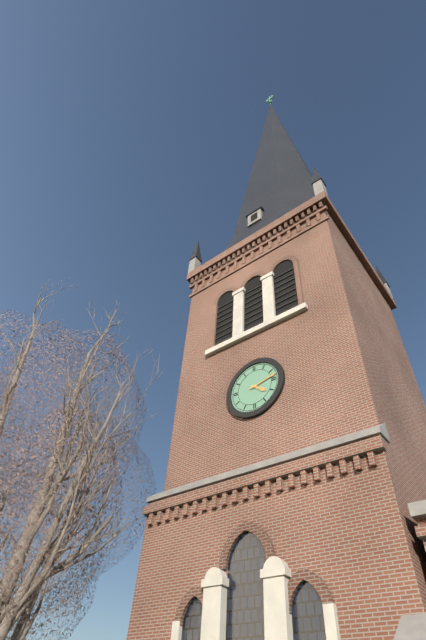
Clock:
4:13
